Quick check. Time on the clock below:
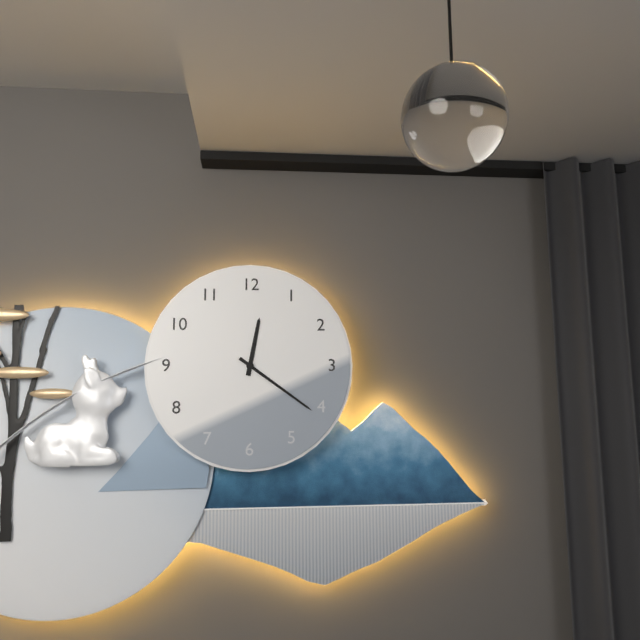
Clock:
12:21
